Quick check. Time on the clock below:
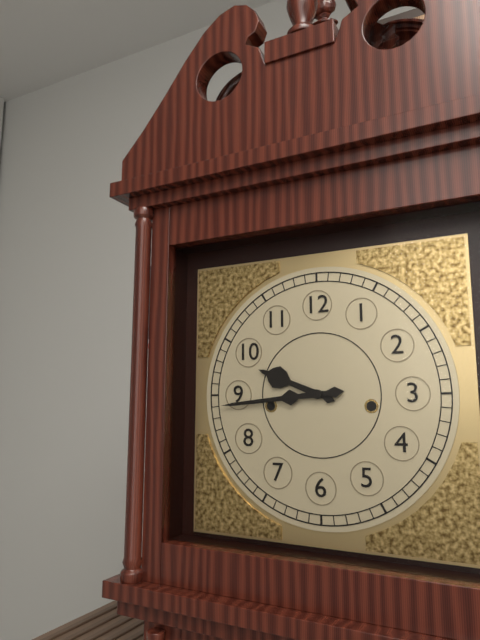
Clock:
9:44
